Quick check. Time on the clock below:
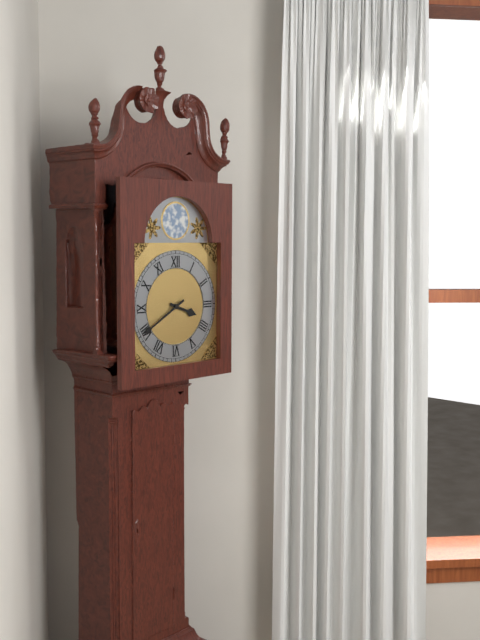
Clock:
3:40
